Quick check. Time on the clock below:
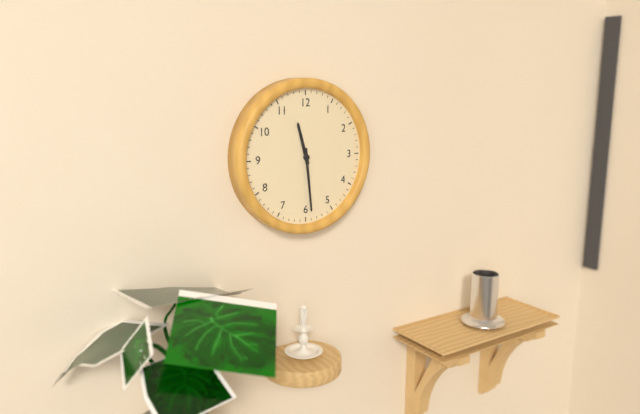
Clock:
11:29
